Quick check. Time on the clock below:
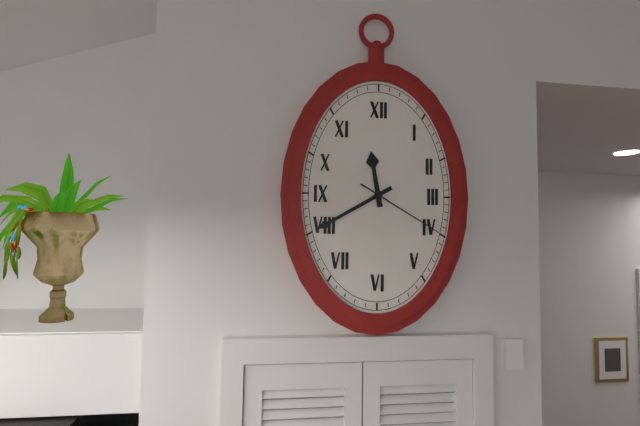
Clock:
11:40:20
